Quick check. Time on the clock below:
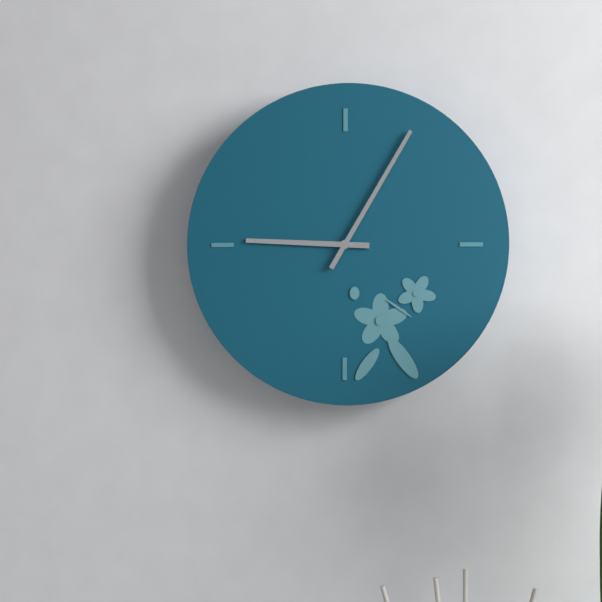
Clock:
9:05
